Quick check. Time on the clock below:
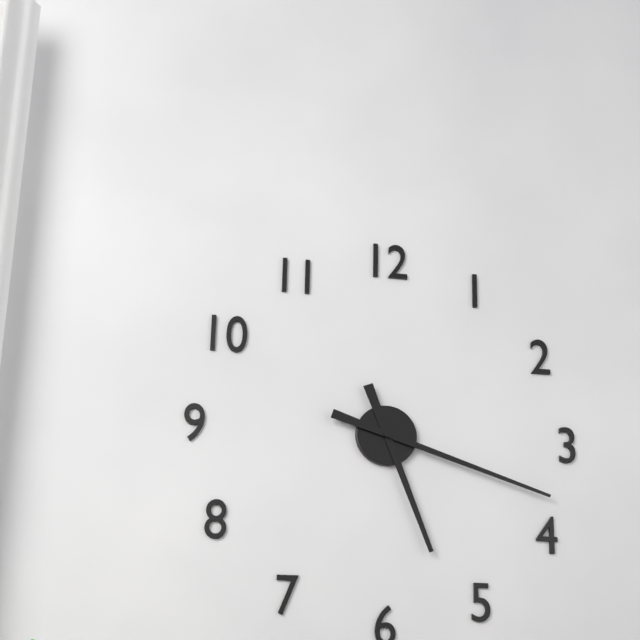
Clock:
5:18
